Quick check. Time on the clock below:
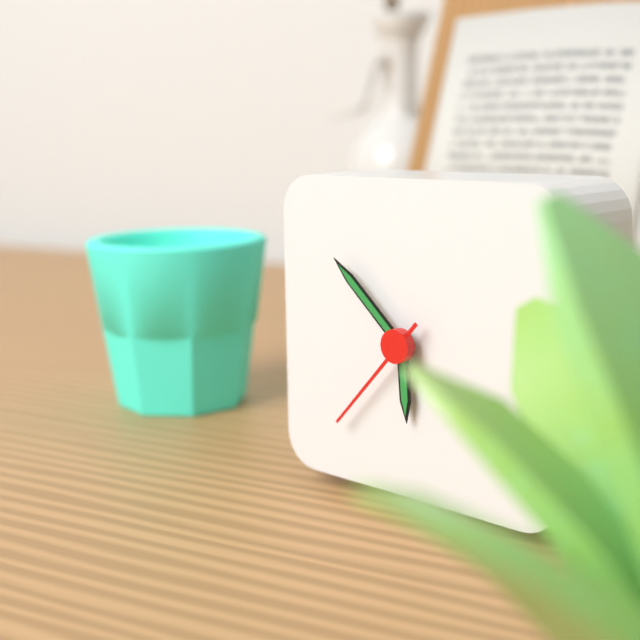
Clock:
5:52:37
